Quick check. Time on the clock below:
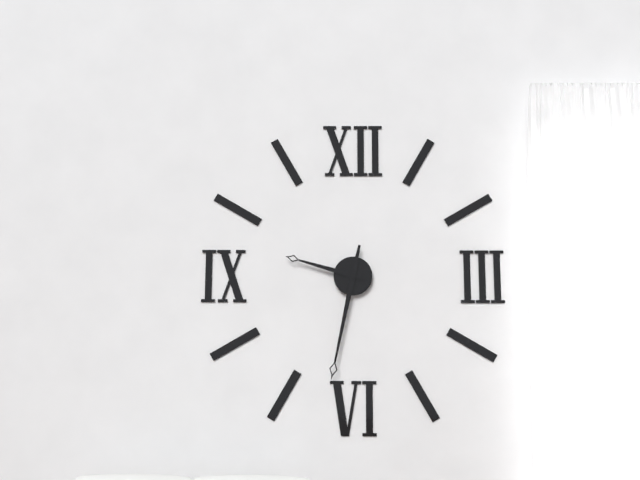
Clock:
9:32
